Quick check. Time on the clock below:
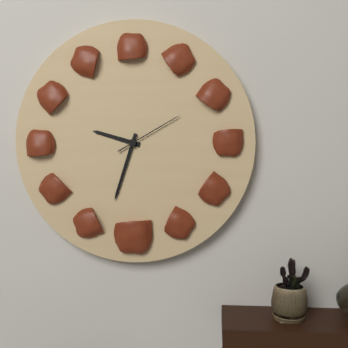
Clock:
9:33:10
